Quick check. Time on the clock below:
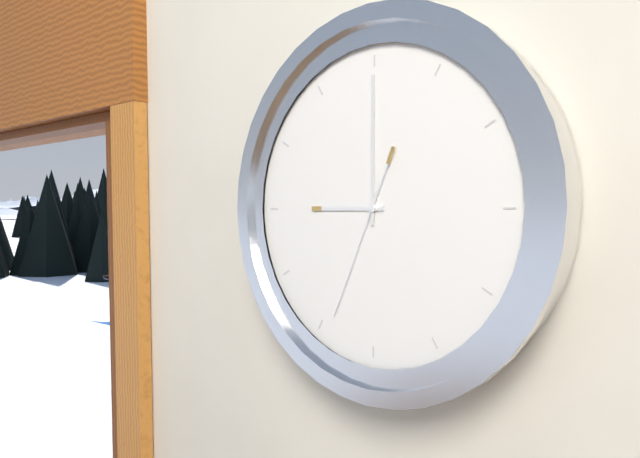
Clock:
9:00:34
